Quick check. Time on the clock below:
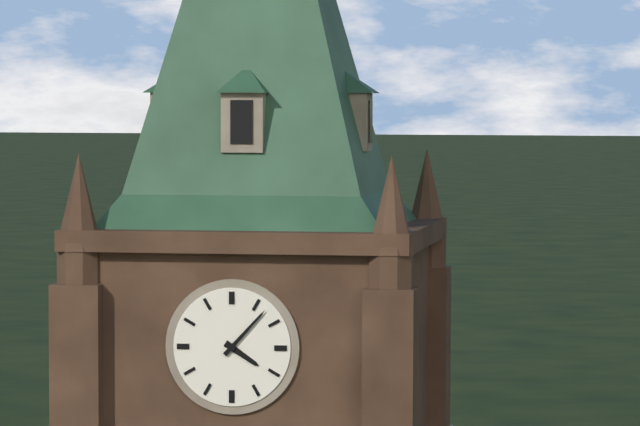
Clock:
4:07
